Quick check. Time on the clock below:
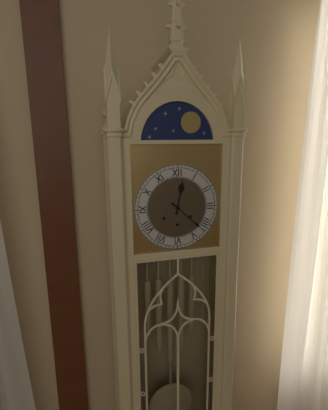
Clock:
12:22
